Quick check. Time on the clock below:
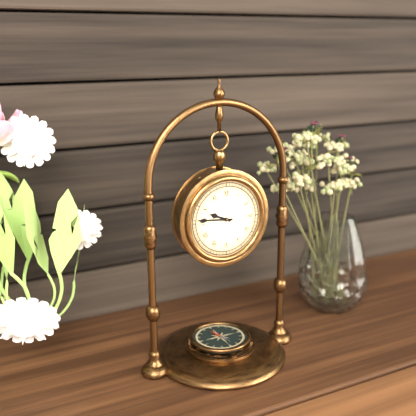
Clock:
9:46
